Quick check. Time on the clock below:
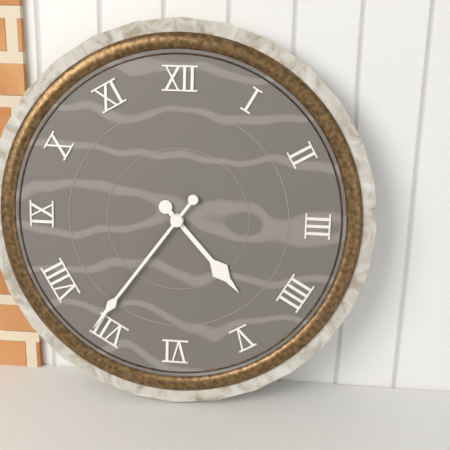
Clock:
4:36
